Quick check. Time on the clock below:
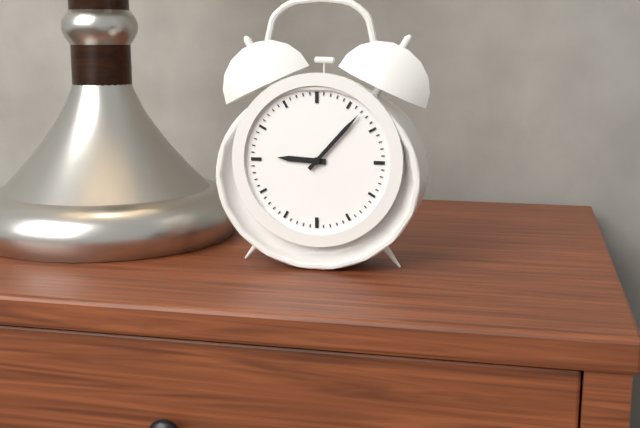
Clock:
9:07
